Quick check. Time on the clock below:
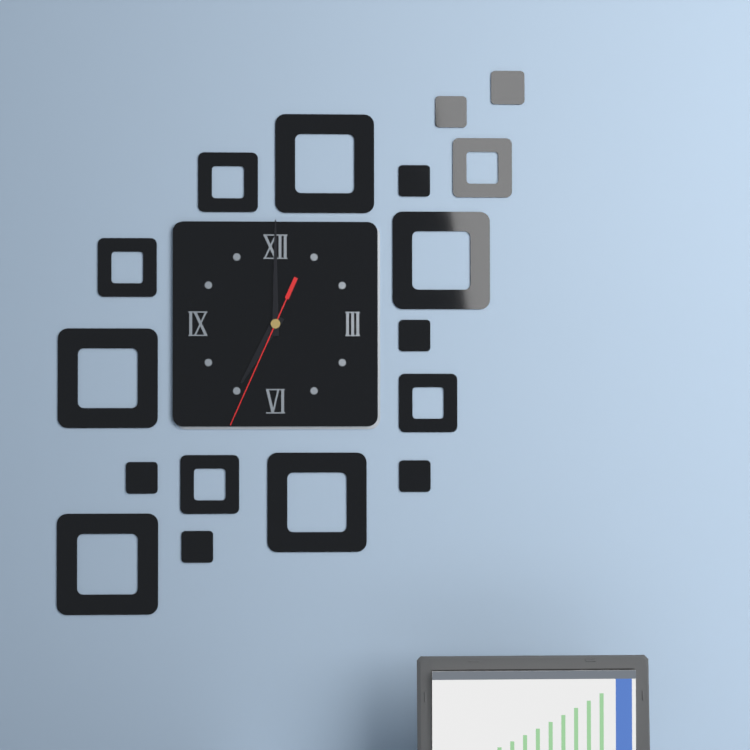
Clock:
7:00:34
